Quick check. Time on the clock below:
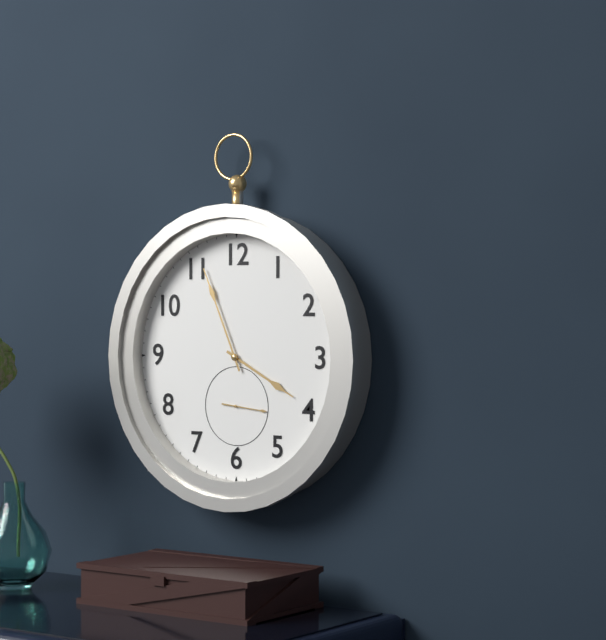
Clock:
3:56
